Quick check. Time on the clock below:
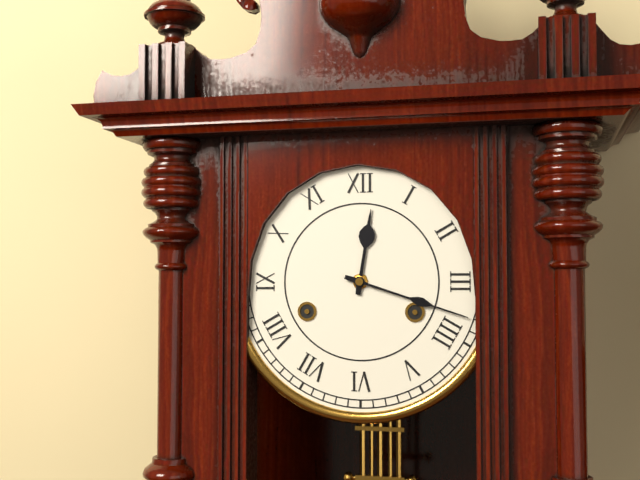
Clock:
12:18
